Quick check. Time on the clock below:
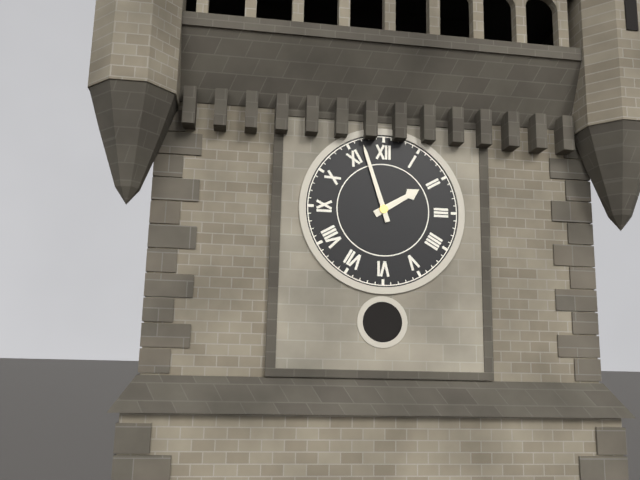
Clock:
1:57
